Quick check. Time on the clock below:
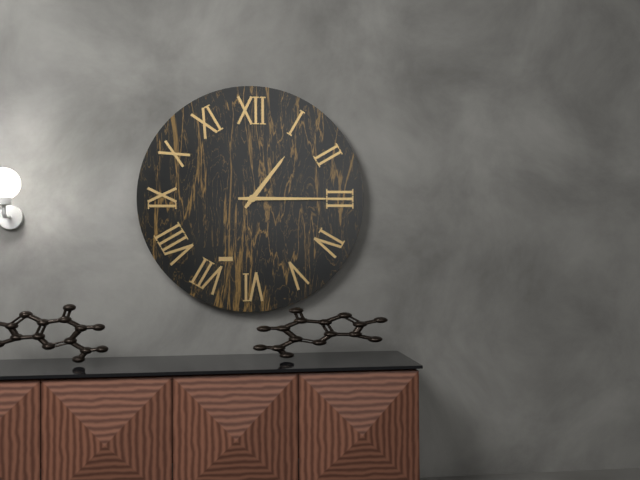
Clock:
1:15
